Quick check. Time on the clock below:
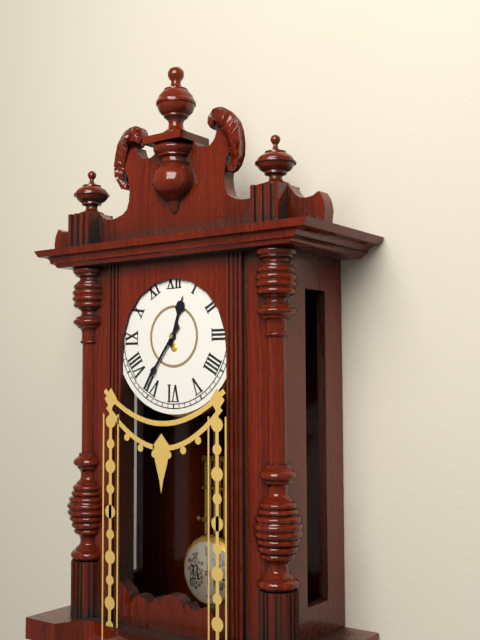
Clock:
12:36
